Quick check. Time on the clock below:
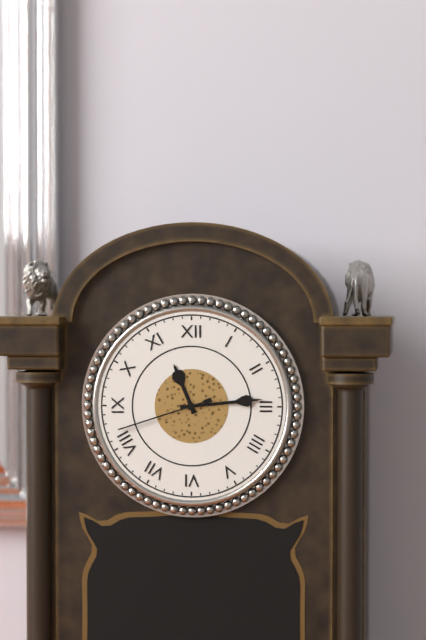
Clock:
11:14:42
